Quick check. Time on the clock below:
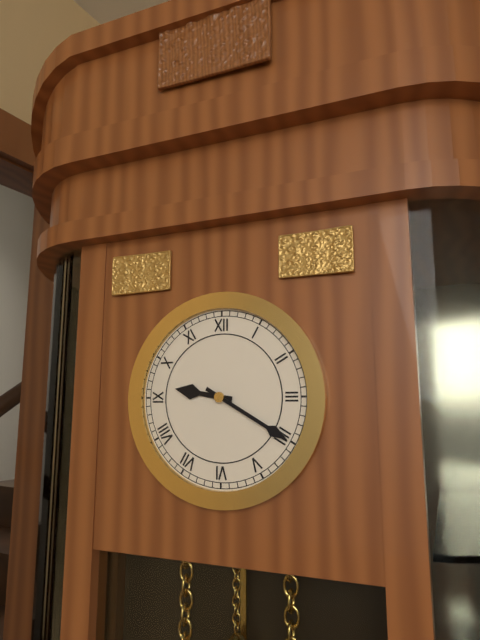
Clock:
9:20
